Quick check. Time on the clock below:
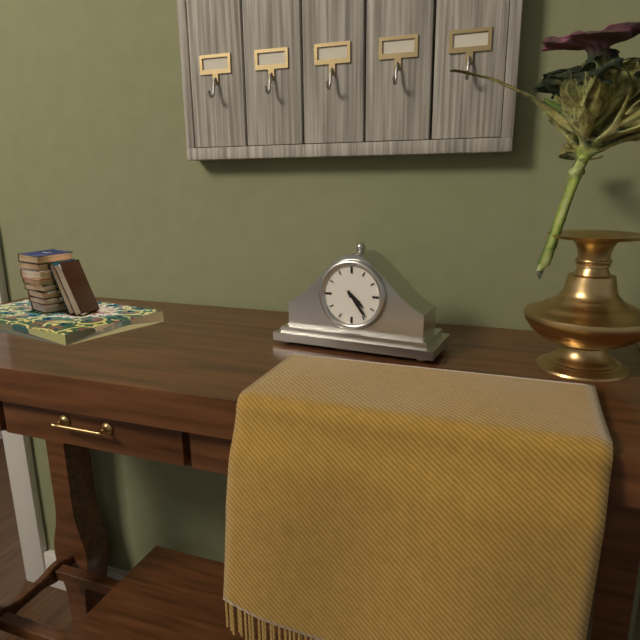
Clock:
4:24
